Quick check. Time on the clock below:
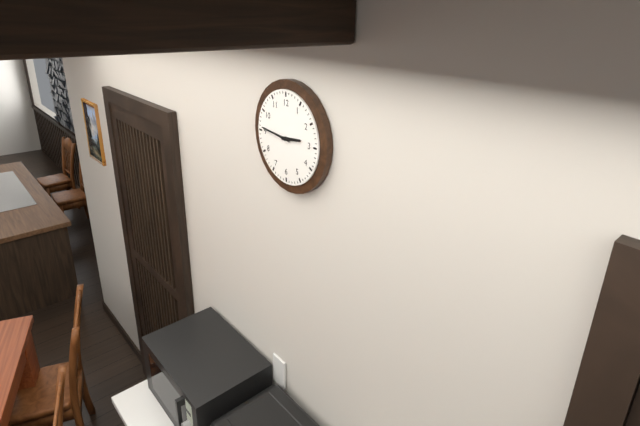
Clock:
2:46
